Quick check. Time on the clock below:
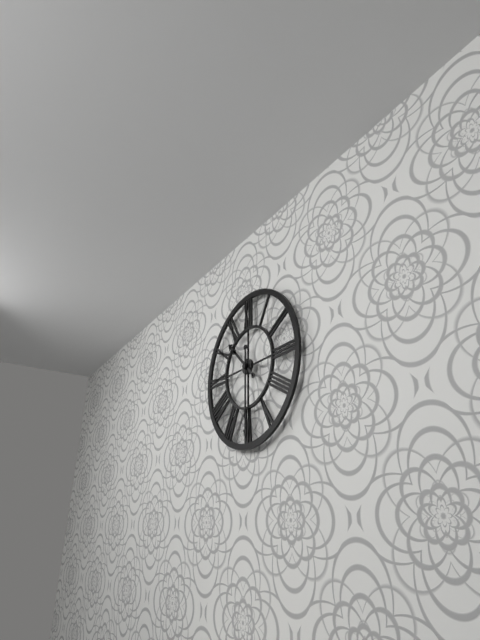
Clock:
10:30
